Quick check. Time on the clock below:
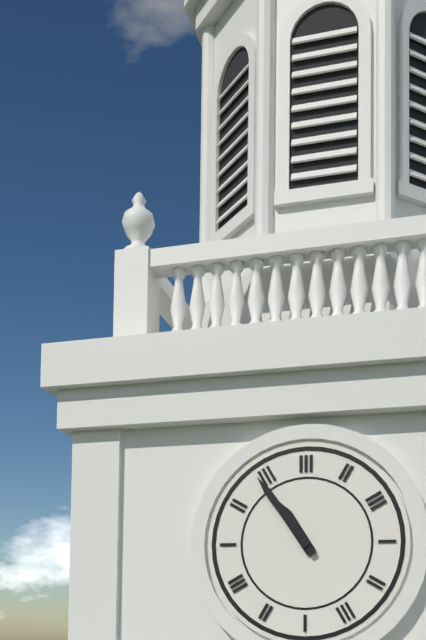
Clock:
10:54
